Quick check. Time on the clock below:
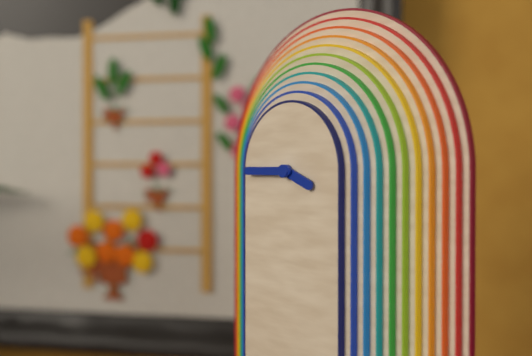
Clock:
3:45
